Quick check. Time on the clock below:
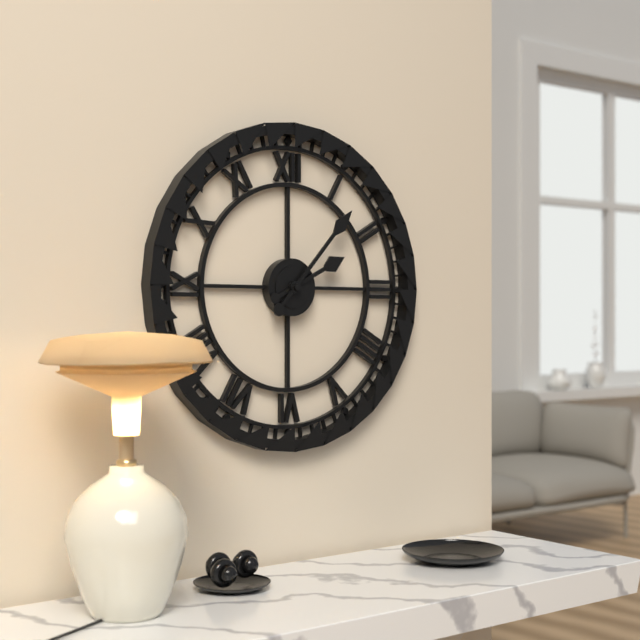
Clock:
2:07
